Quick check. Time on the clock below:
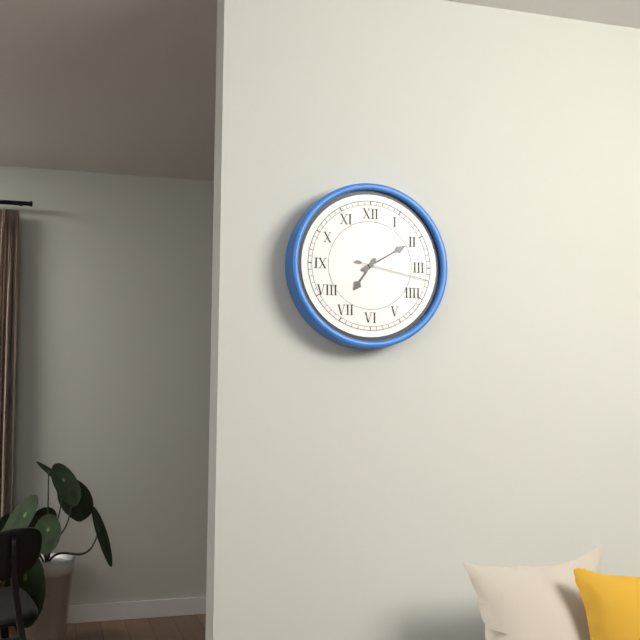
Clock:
7:10:17
